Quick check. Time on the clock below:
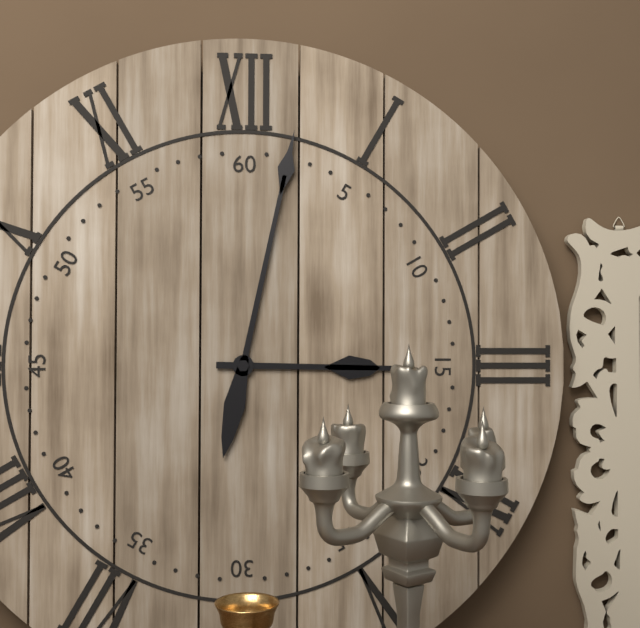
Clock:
3:02
